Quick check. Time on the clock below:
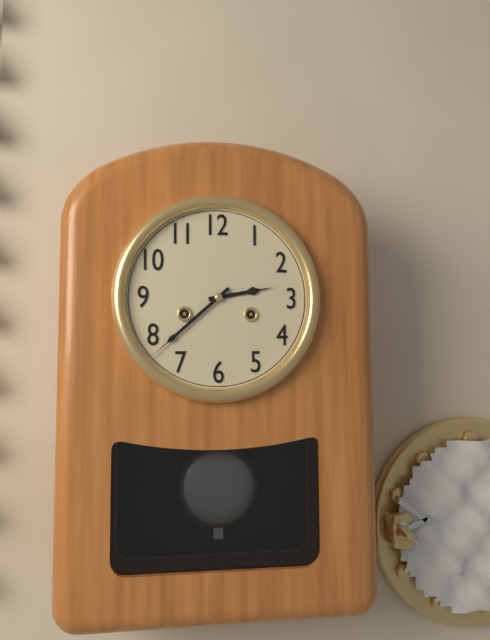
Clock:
2:38
